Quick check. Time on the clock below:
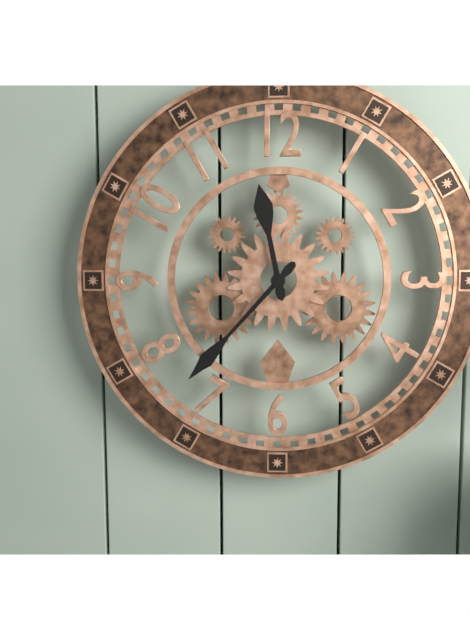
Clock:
11:37
